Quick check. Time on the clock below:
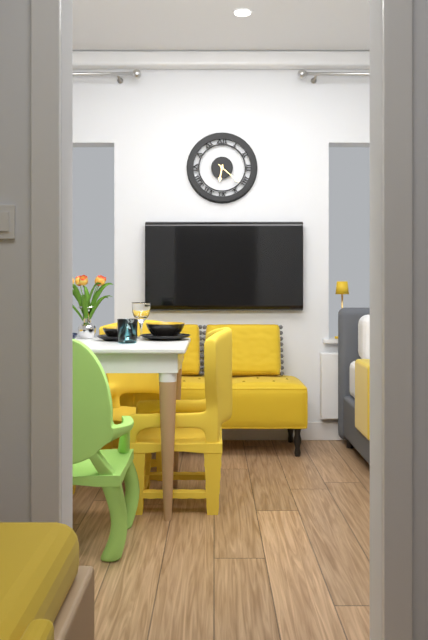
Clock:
6:22
